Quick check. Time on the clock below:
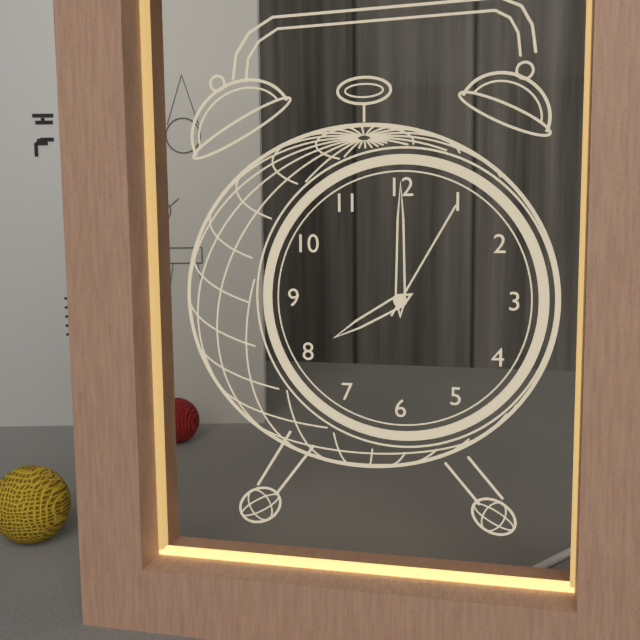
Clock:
8:00:05
